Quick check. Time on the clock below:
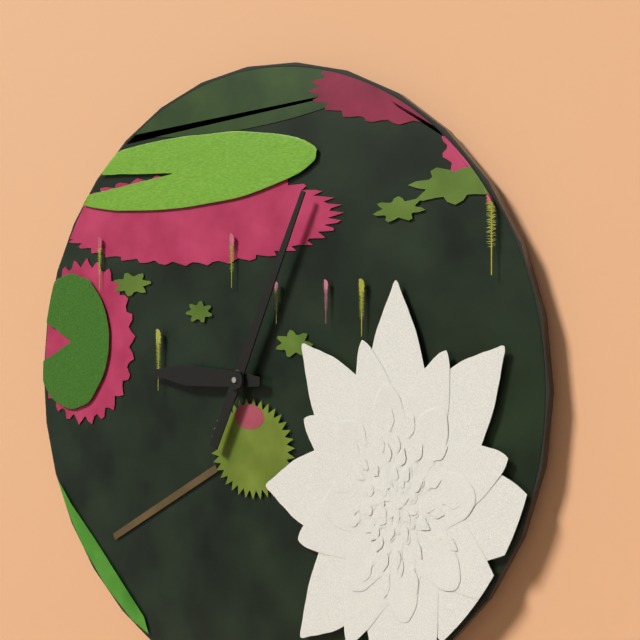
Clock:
9:04
